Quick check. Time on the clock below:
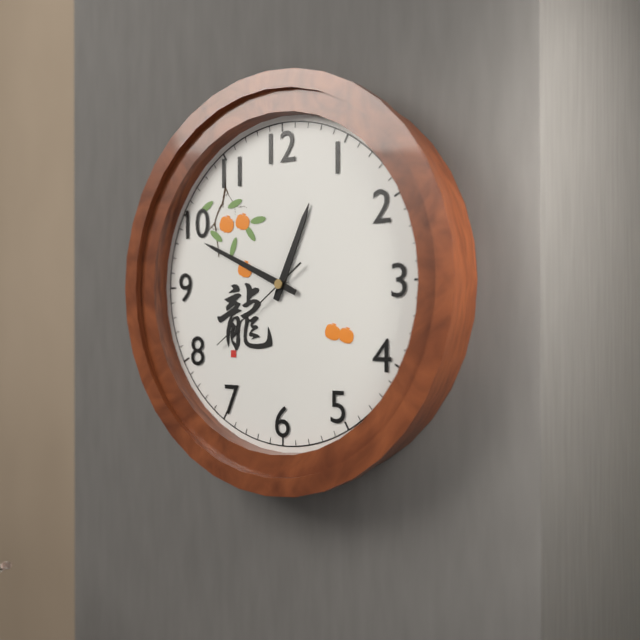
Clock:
12:49:39
